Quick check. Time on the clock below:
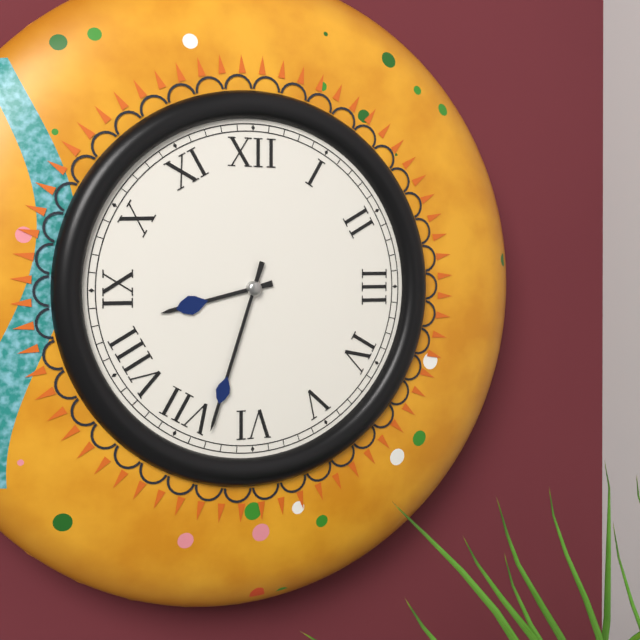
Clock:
8:33
